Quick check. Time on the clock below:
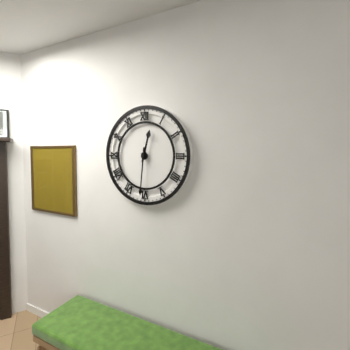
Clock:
12:31
